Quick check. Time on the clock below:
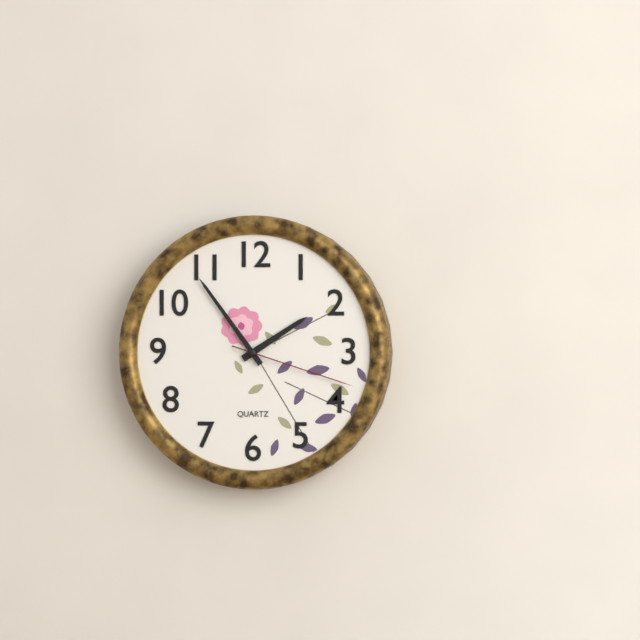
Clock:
1:54:18
